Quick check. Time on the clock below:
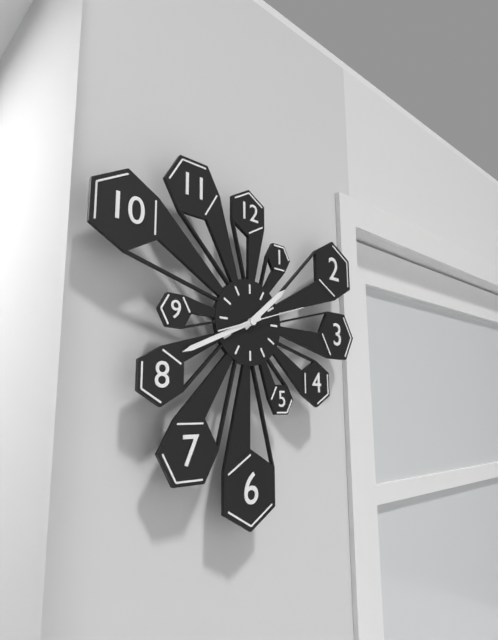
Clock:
1:41:12
